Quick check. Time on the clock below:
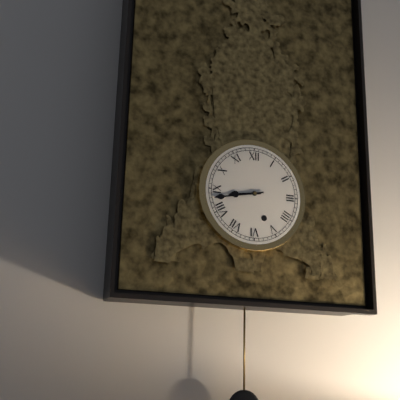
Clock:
8:43
